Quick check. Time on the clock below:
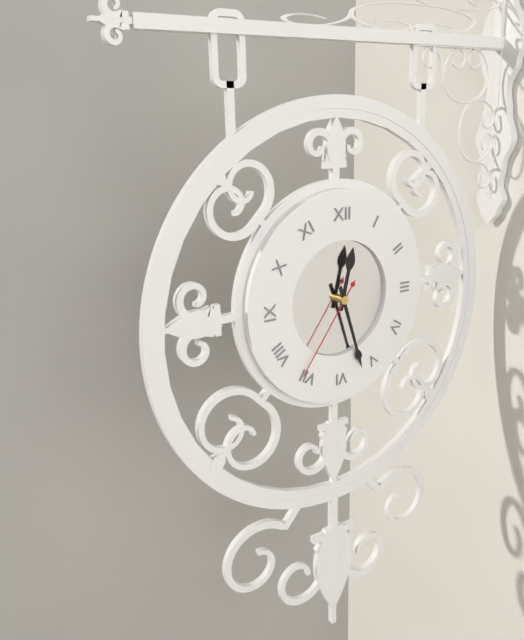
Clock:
12:27:36
